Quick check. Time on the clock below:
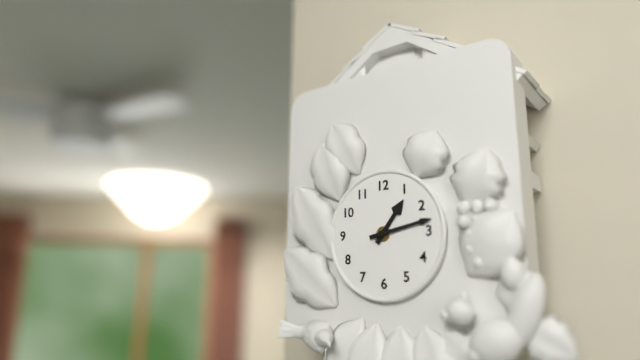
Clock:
1:13
